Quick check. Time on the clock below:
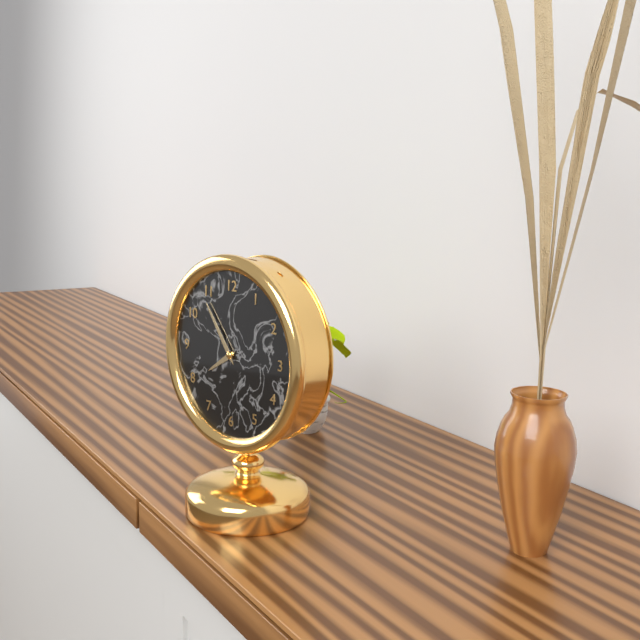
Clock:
7:54
